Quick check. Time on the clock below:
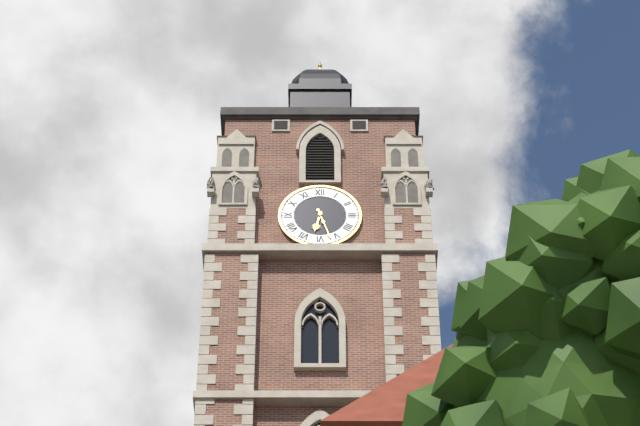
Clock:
6:27
